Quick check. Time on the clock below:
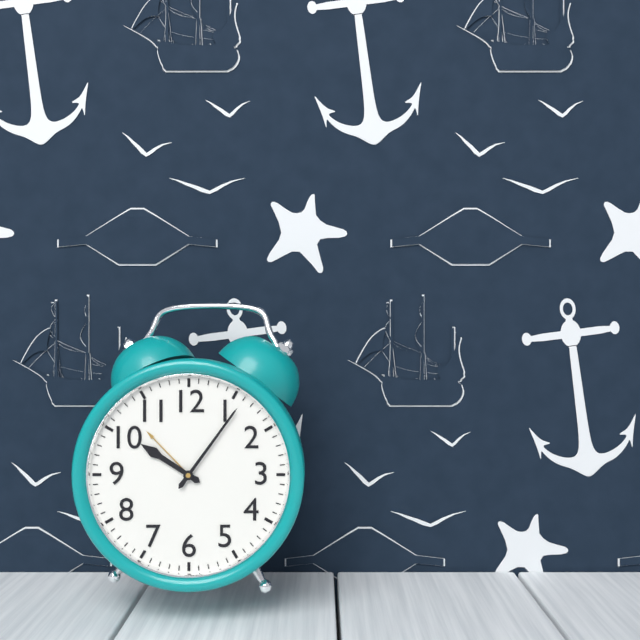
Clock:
10:06
